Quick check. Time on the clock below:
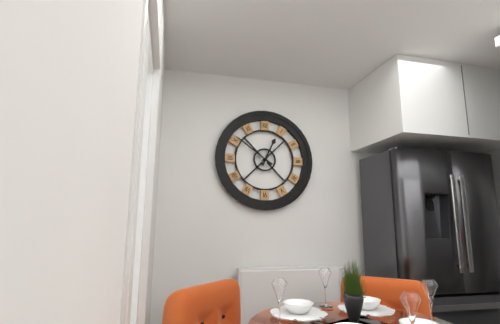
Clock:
12:51
